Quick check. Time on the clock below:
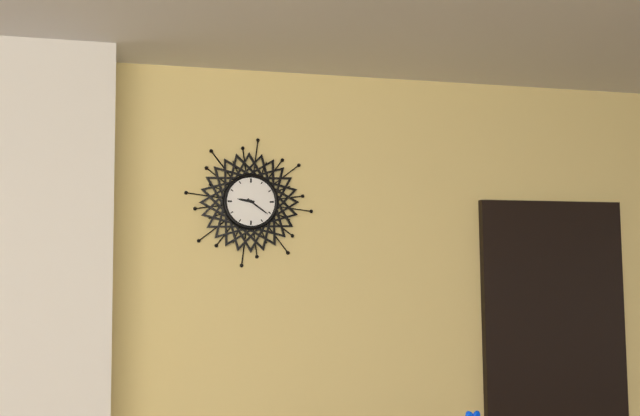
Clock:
9:21
